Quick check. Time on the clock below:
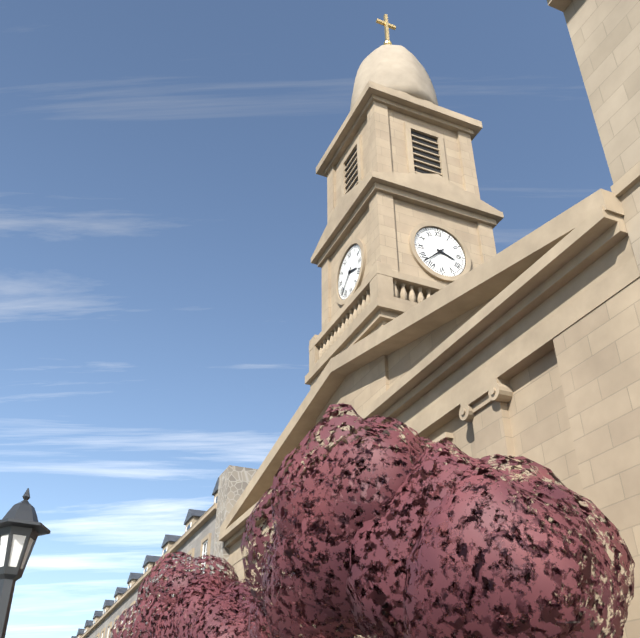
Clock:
3:38
